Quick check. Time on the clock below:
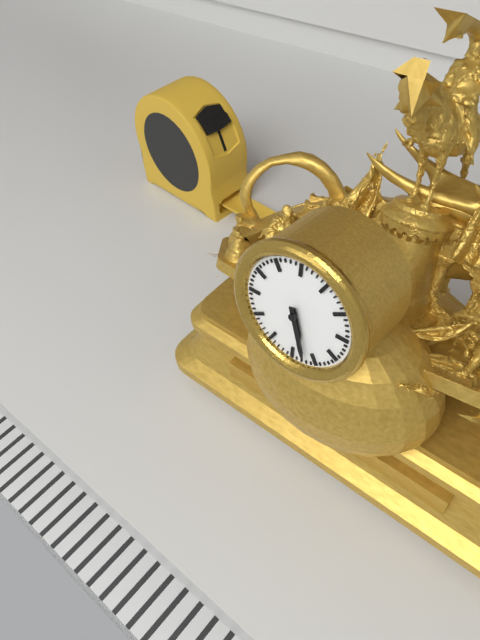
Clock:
5:27
